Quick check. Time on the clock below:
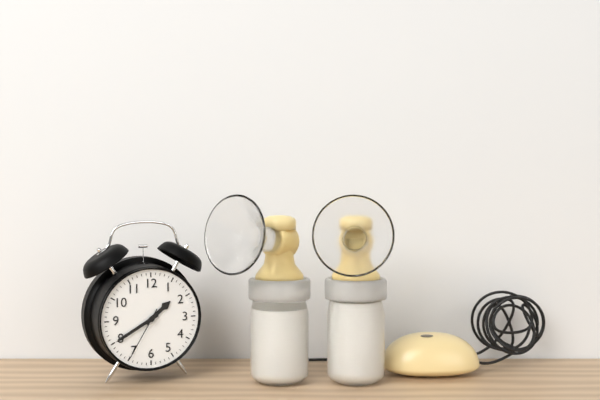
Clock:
1:40:35
